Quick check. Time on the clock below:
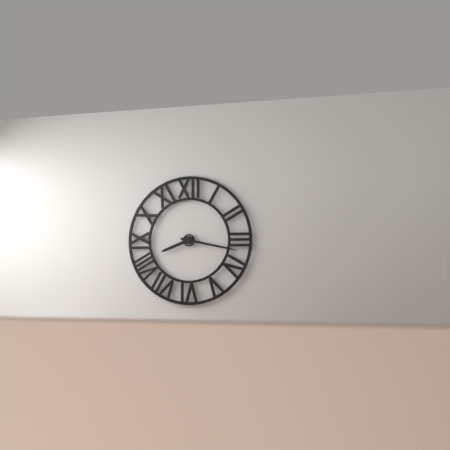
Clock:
8:17
